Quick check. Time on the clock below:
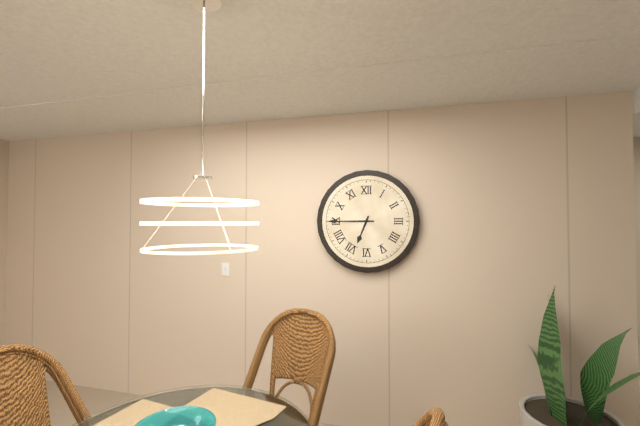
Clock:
6:45
